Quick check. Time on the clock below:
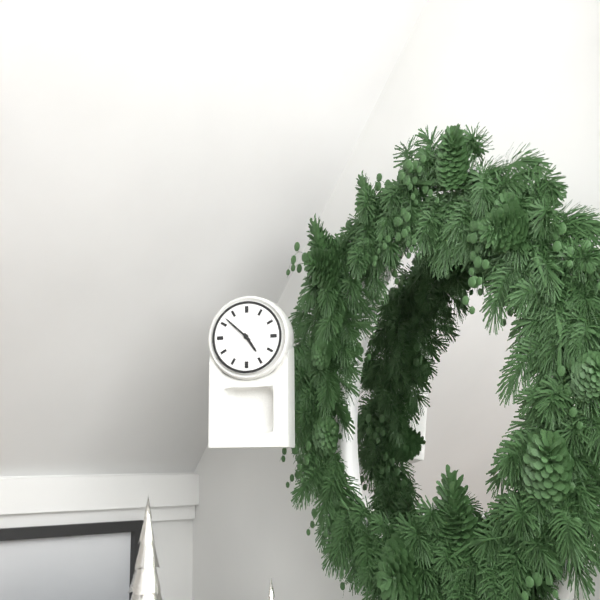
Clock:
4:52
